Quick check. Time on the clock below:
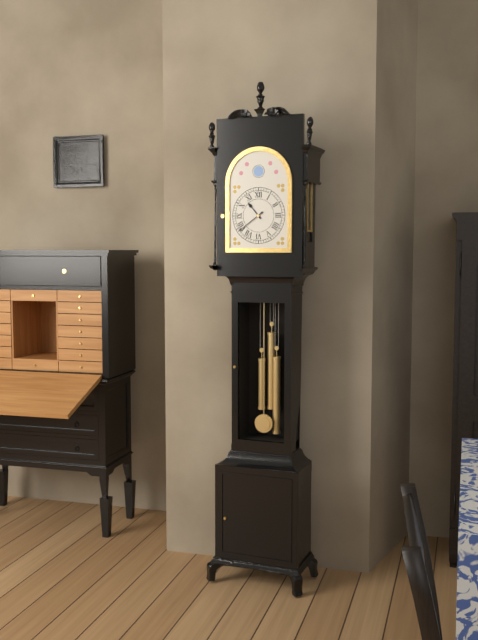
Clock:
10:39
